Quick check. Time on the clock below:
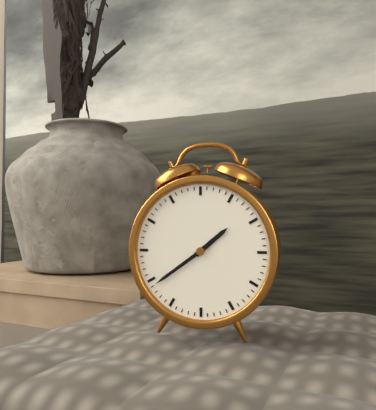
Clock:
1:39
